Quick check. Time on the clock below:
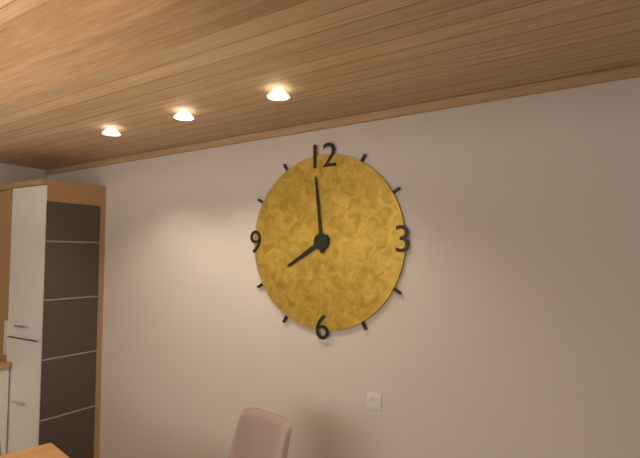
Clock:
7:59
